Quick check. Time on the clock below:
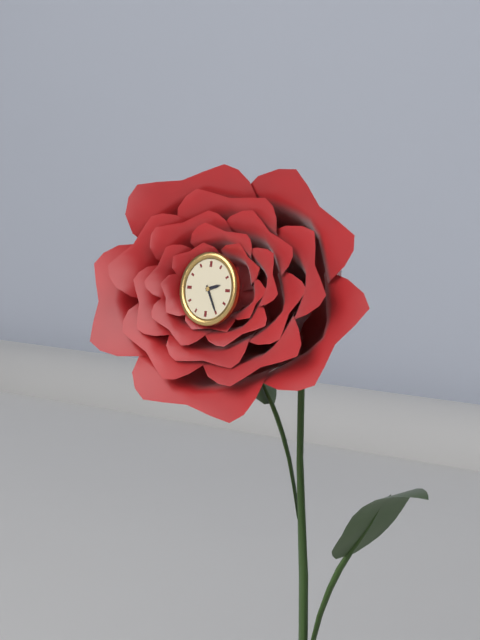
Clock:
2:25
